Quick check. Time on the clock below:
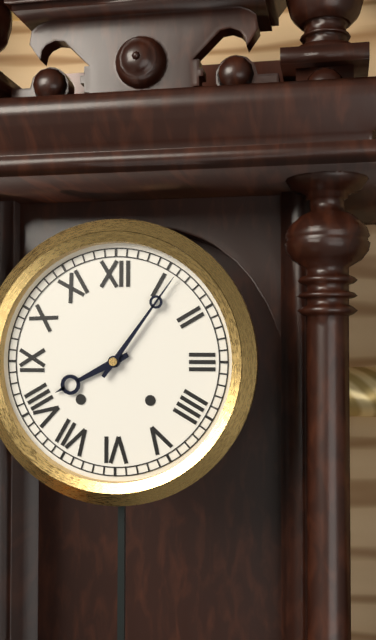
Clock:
8:06
